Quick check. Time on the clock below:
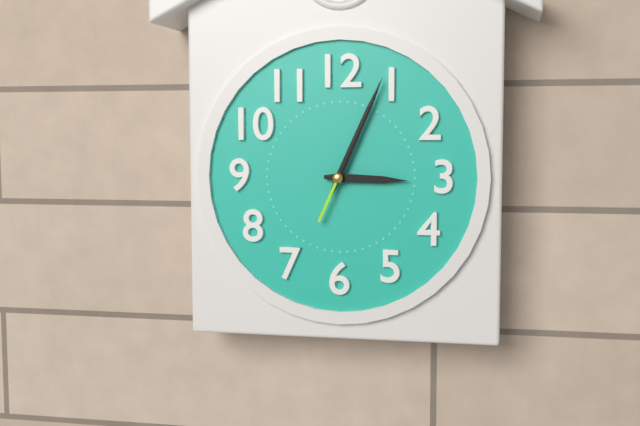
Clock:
3:04:04
